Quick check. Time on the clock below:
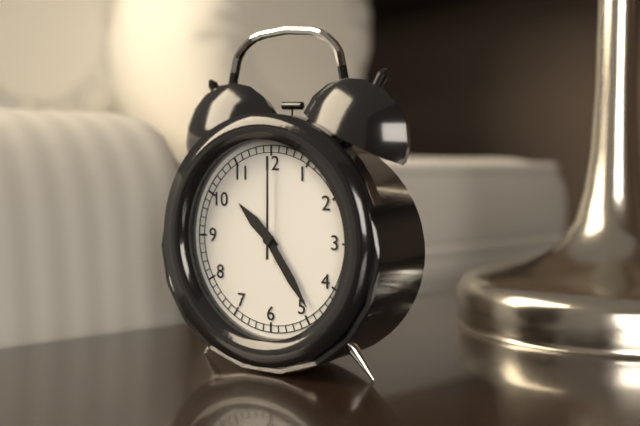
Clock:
10:24:00
